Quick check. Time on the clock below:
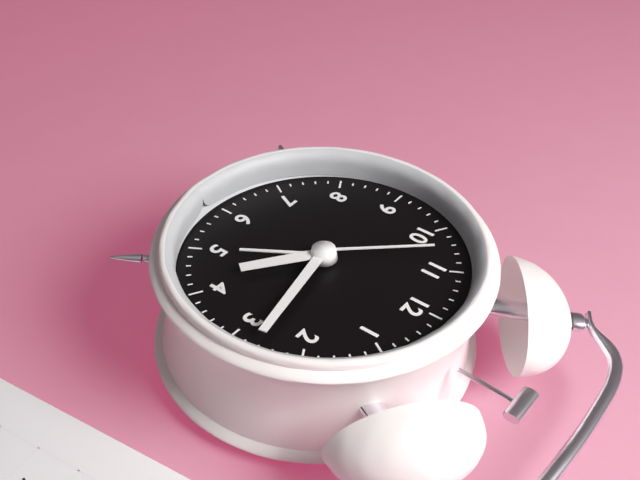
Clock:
4:13:53
